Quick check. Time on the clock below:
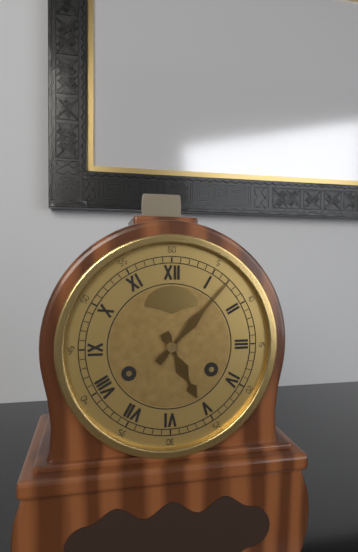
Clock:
5:07
